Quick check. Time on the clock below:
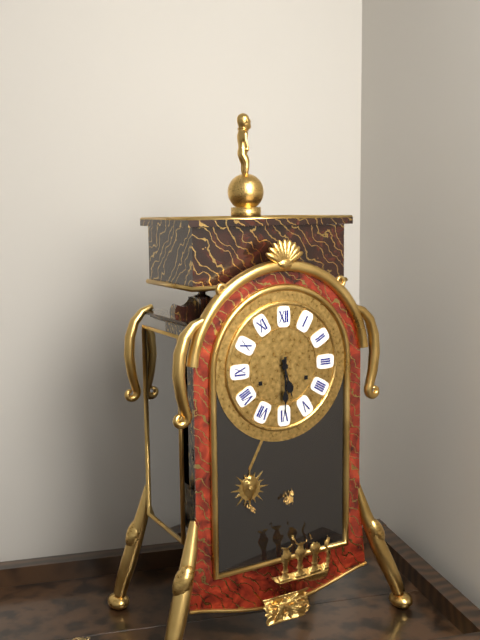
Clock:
5:30
